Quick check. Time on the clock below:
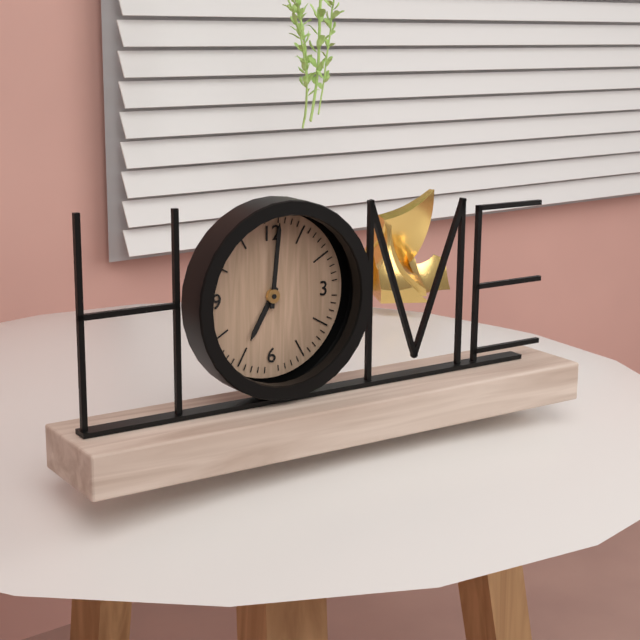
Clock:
7:01
